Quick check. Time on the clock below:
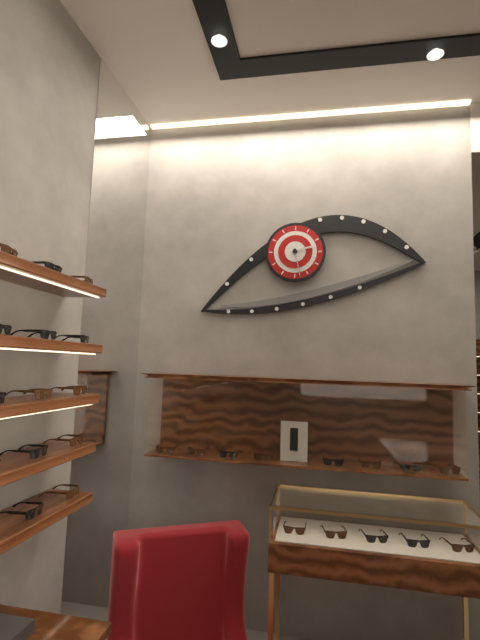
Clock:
2:28
